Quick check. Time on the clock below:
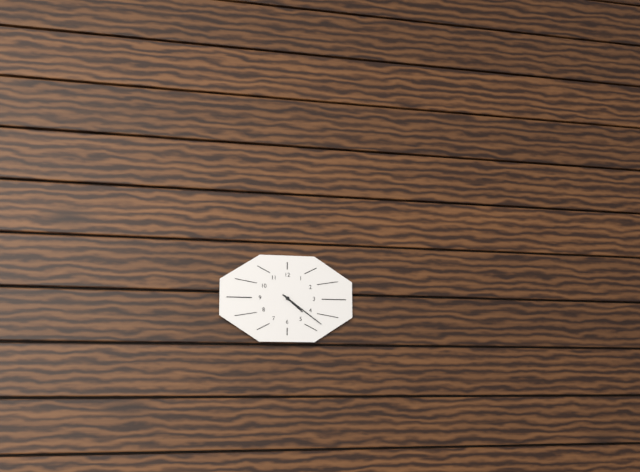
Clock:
4:21
